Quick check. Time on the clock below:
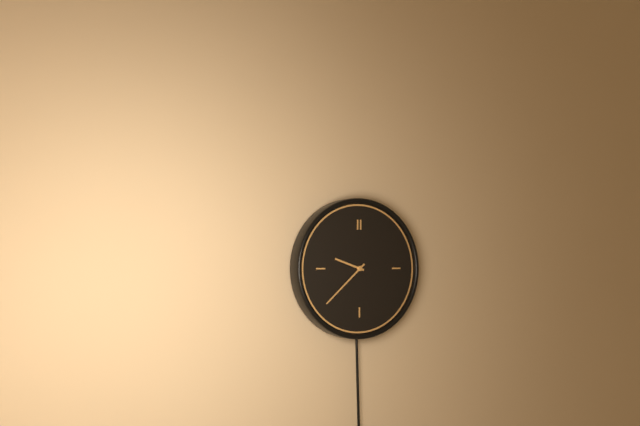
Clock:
9:38
